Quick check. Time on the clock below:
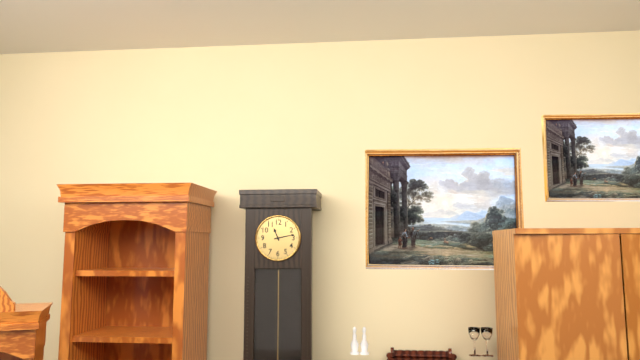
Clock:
11:13
